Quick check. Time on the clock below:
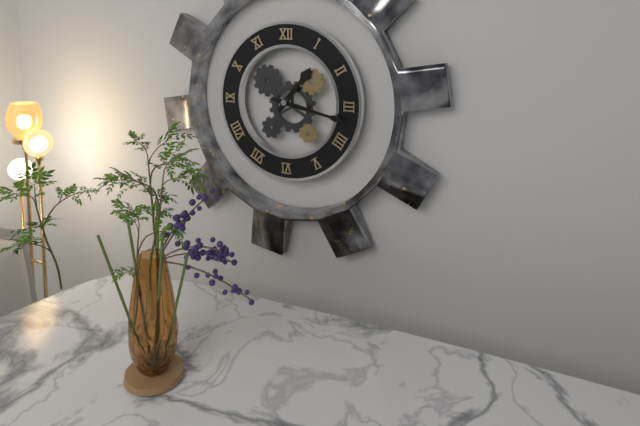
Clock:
1:17
